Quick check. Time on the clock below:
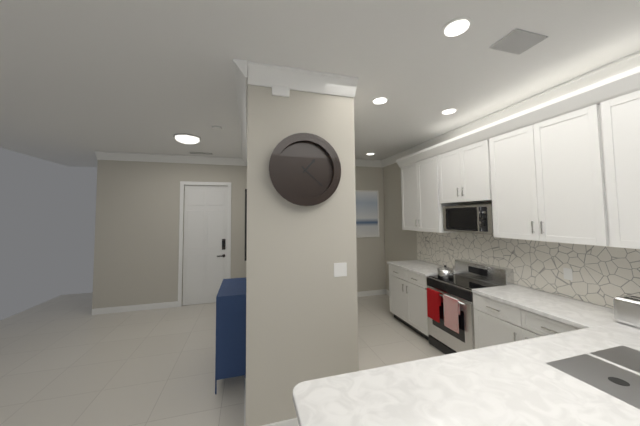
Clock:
1:22
